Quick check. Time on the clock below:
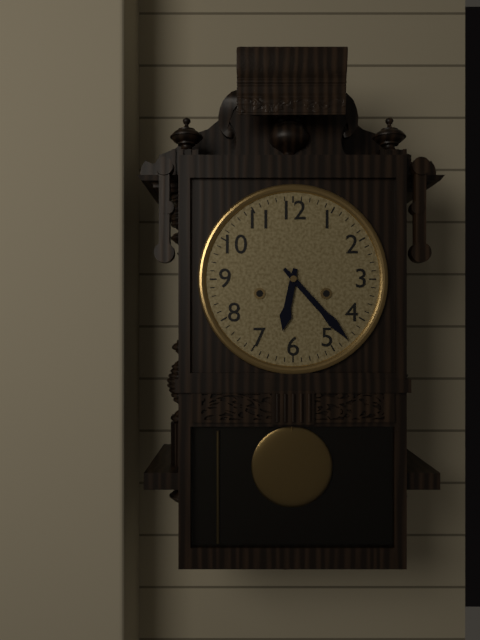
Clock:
6:23
